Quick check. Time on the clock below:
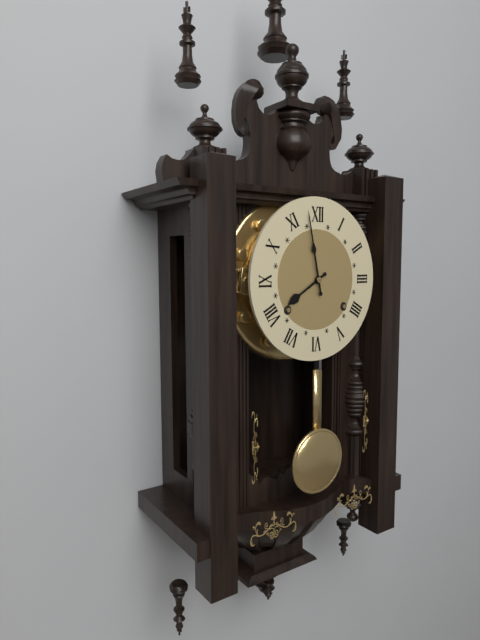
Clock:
7:58
